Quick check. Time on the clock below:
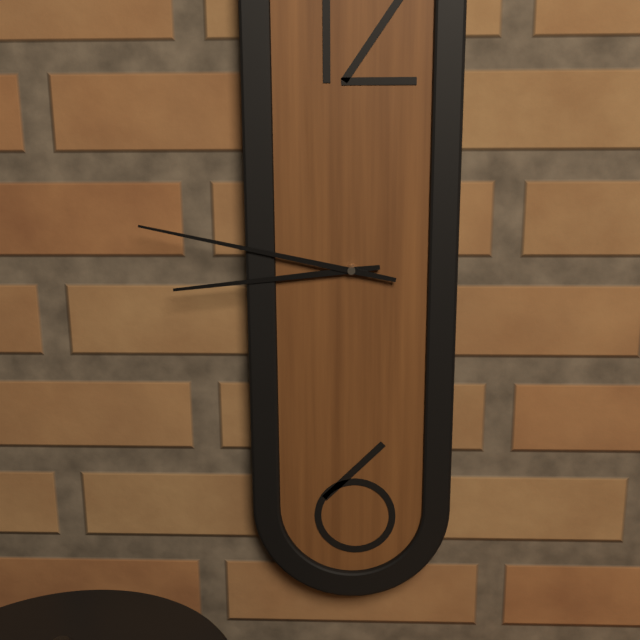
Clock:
8:47
